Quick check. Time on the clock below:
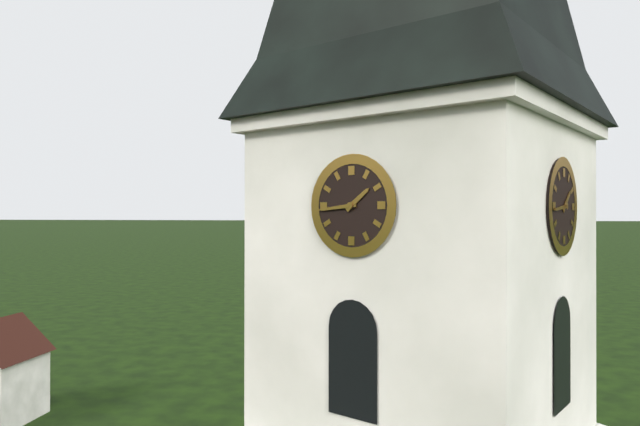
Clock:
1:44
